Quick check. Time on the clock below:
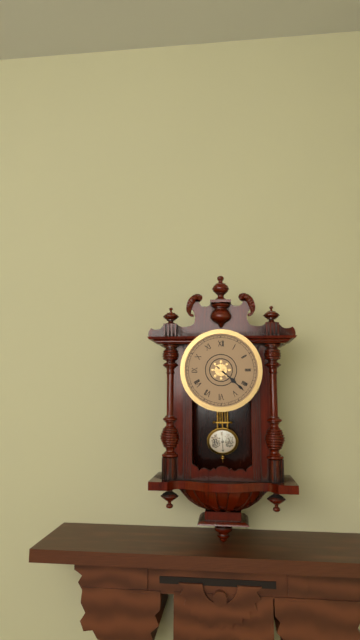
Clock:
4:22
